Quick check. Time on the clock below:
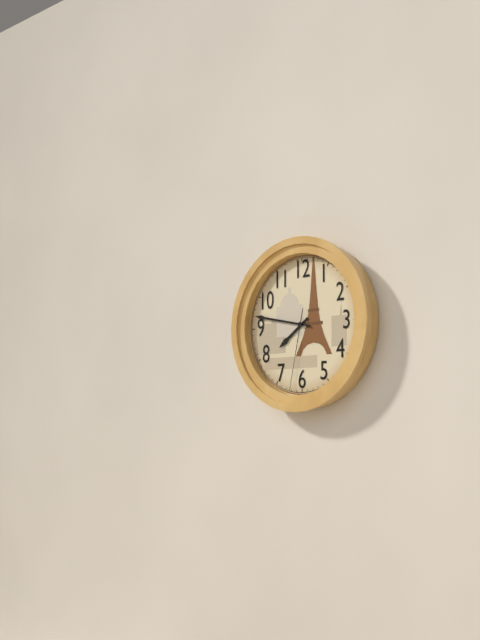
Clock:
7:47:32
